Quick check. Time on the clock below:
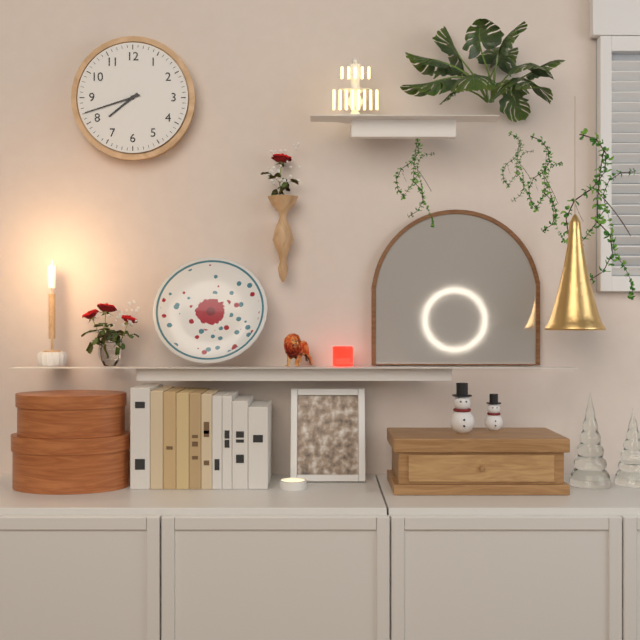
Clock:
7:42
